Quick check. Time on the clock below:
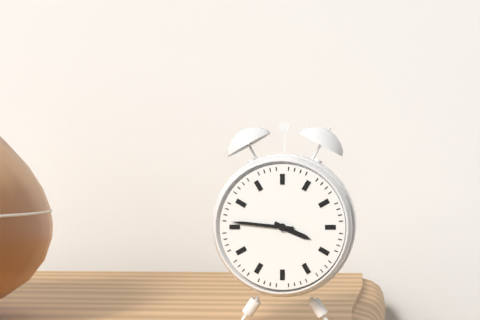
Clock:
3:46
